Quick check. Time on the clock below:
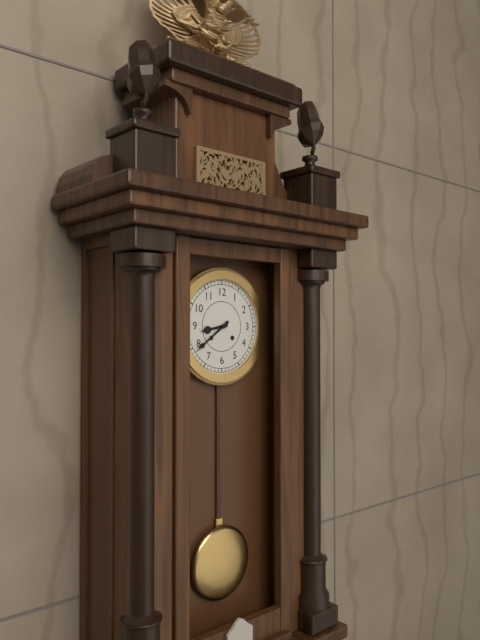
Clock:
8:39
